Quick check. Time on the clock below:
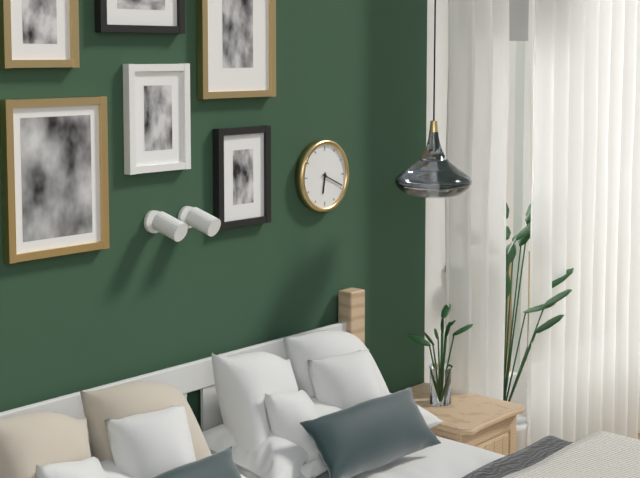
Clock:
6:19
